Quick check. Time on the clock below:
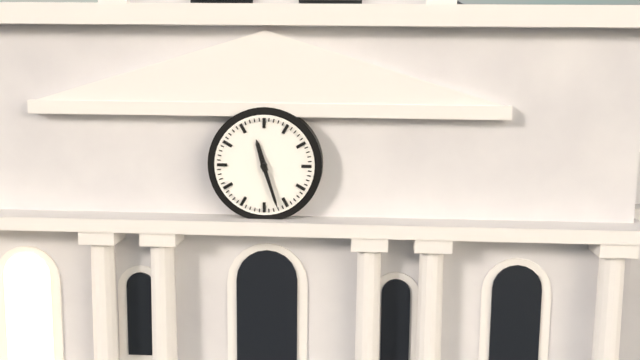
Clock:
11:27
